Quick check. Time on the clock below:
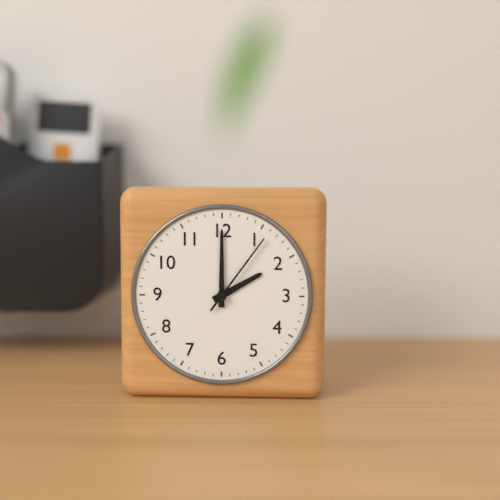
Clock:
2:00:06
